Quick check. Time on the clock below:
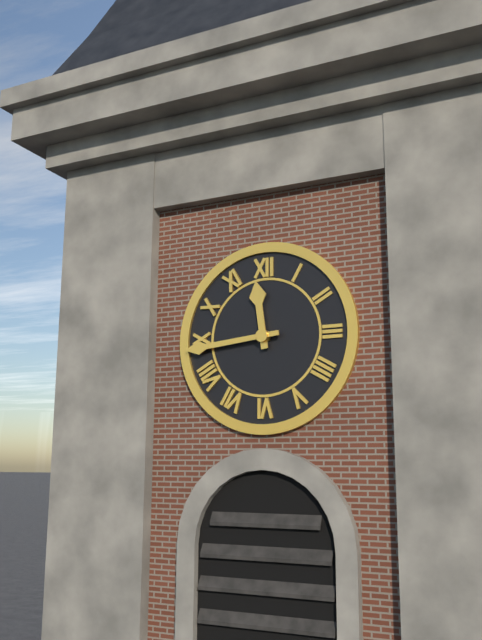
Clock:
11:44
